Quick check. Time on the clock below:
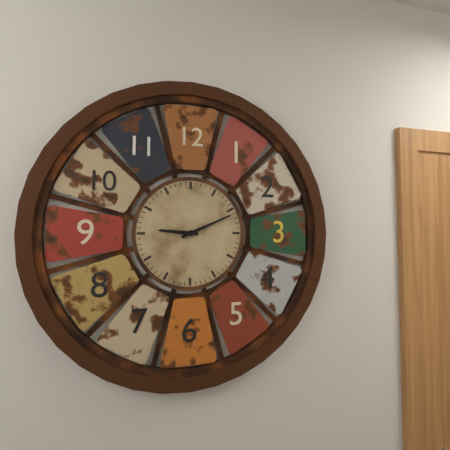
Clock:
9:11
